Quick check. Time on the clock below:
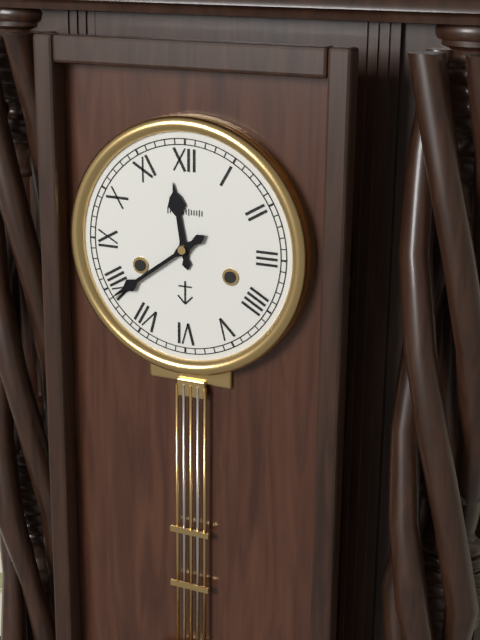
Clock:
11:39
